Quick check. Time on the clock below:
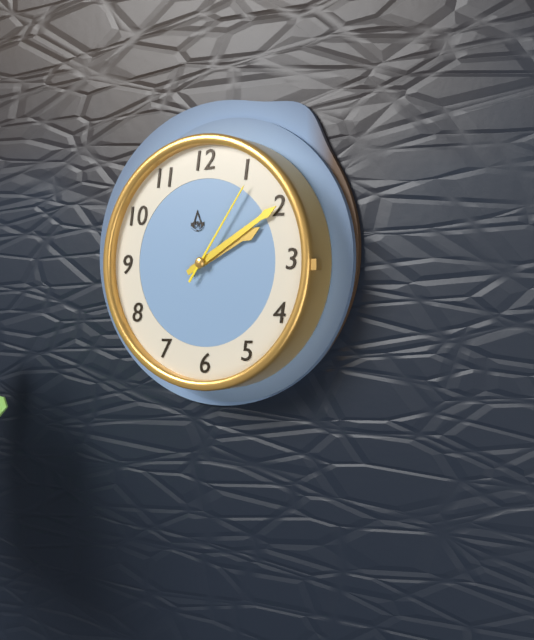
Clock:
2:10:06
